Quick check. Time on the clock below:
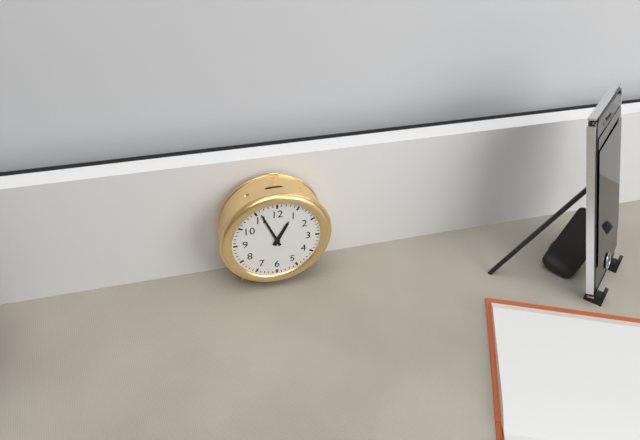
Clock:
12:56
